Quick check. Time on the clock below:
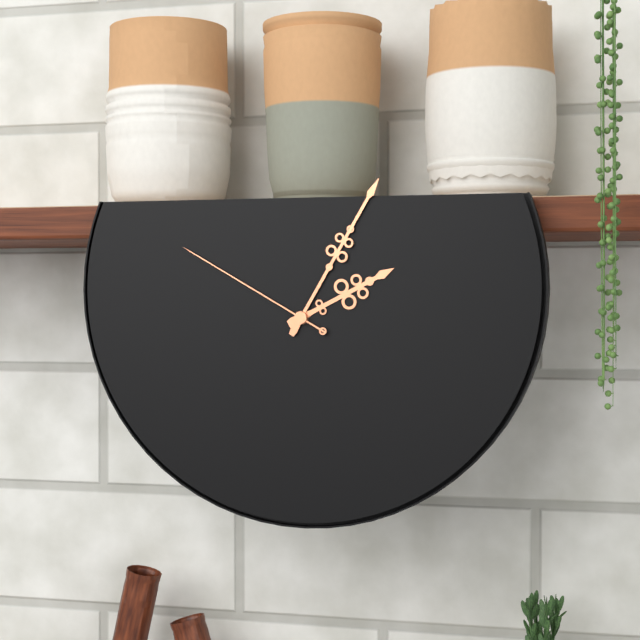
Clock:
2:05:50
